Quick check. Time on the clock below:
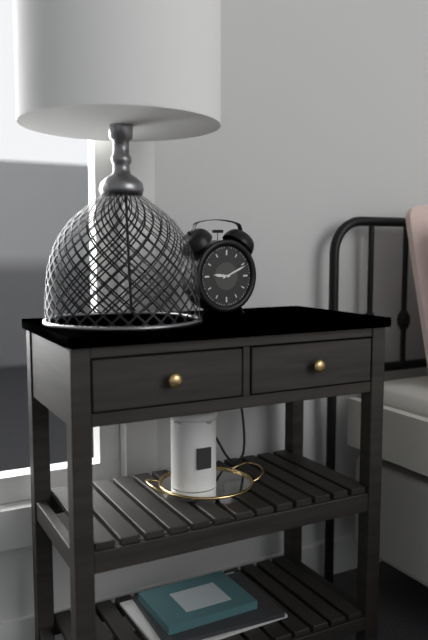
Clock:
9:11
